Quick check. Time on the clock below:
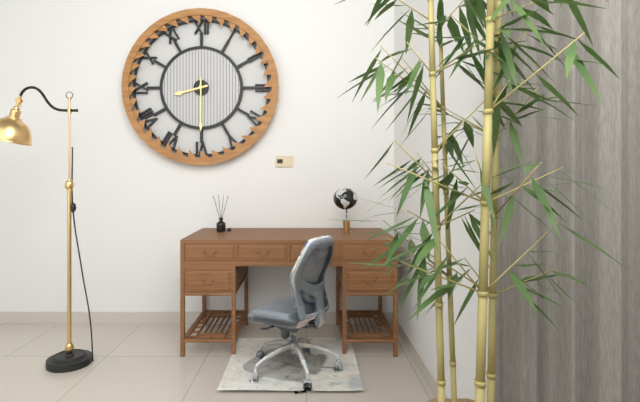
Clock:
8:30
